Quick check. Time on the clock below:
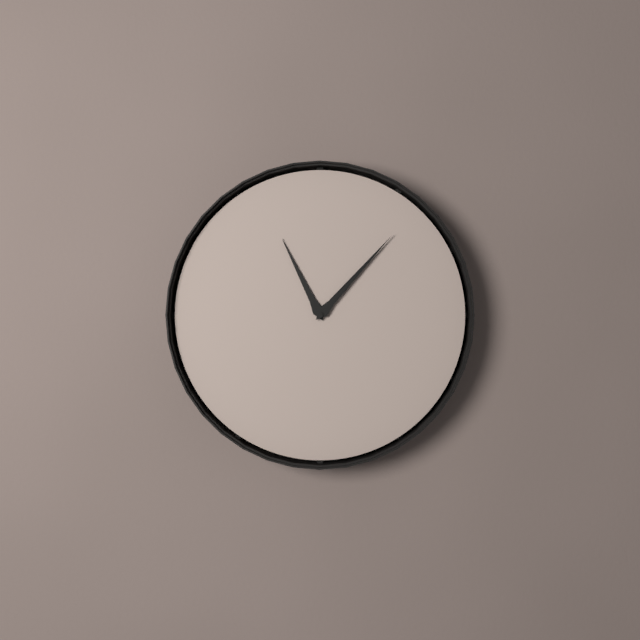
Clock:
11:07
